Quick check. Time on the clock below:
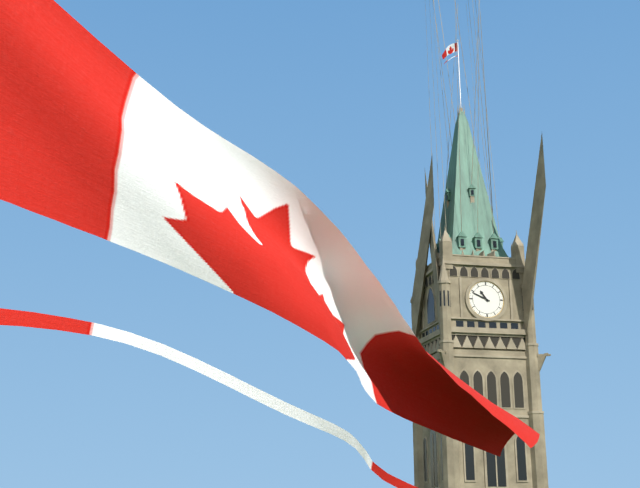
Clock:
10:49
